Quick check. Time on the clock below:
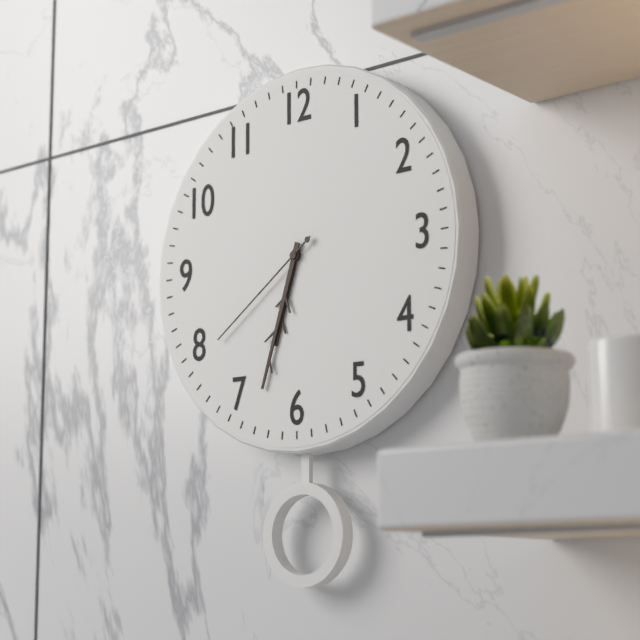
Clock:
6:33:39
